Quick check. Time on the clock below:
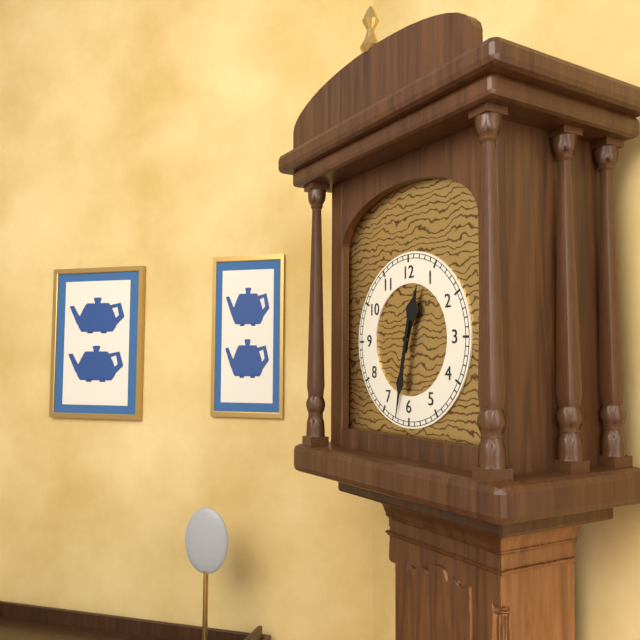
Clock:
12:32
